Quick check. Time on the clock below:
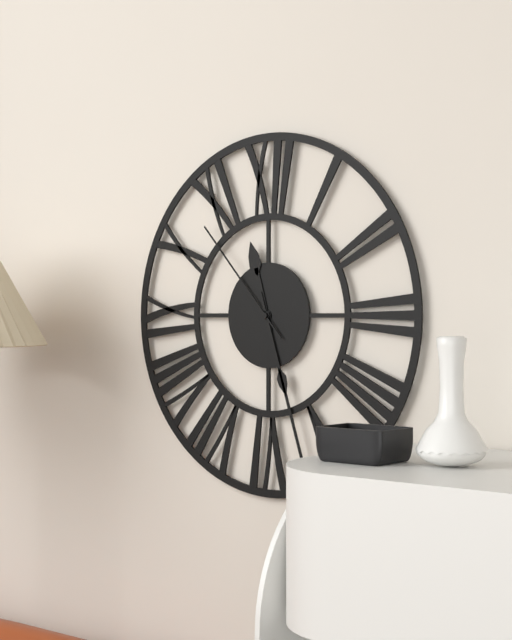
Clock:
11:27:53
